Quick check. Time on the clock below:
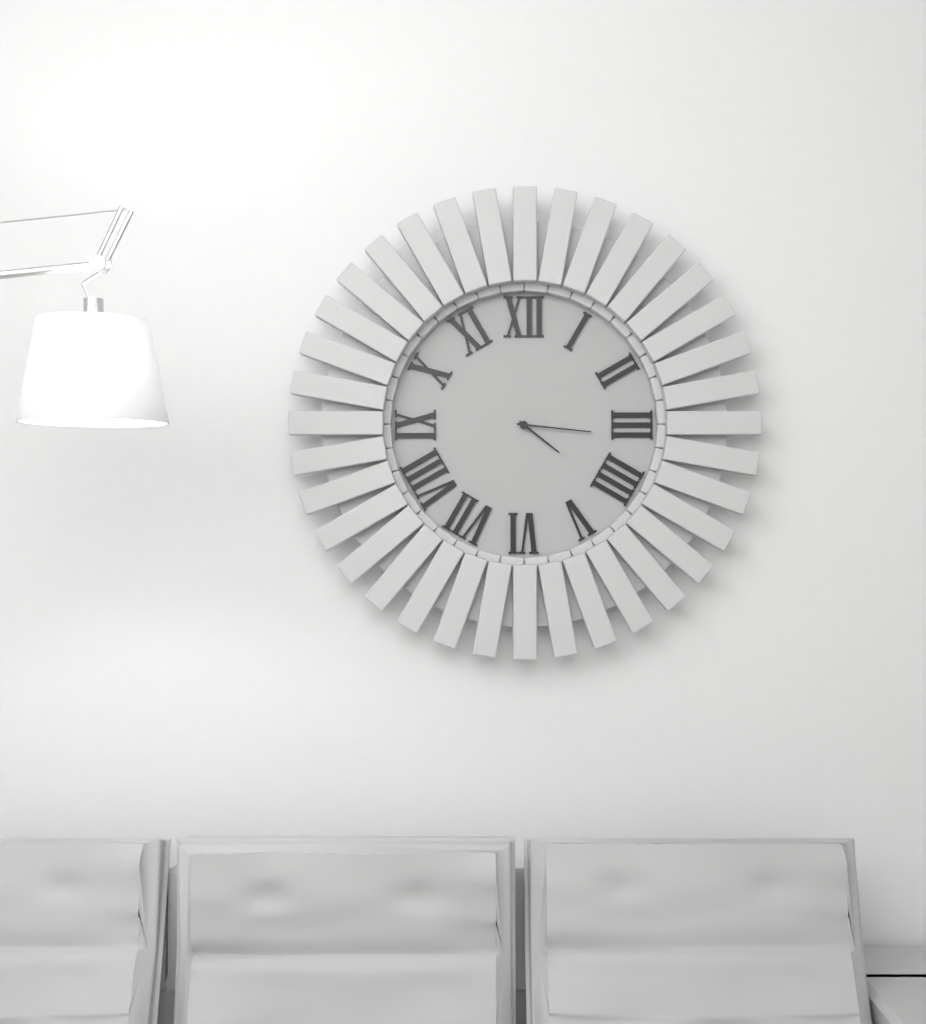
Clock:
4:16
